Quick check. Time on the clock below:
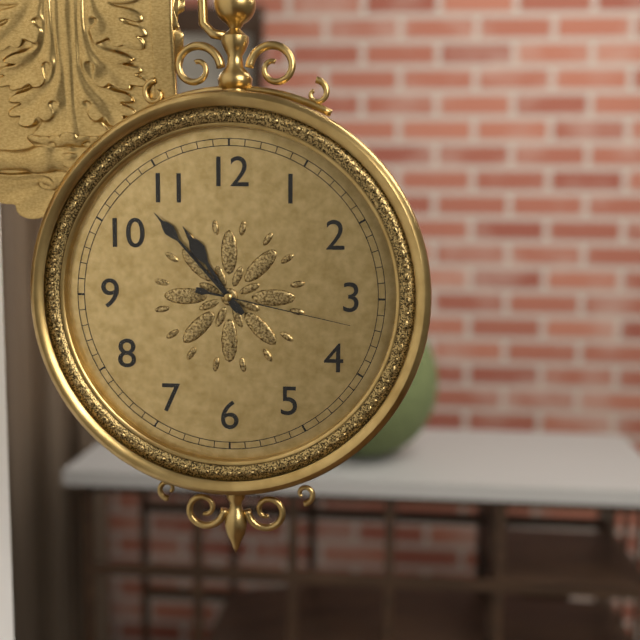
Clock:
10:53:17
